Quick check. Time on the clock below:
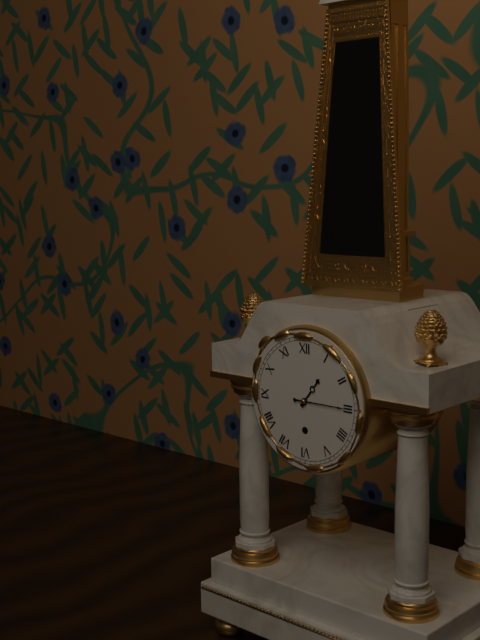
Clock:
1:15
